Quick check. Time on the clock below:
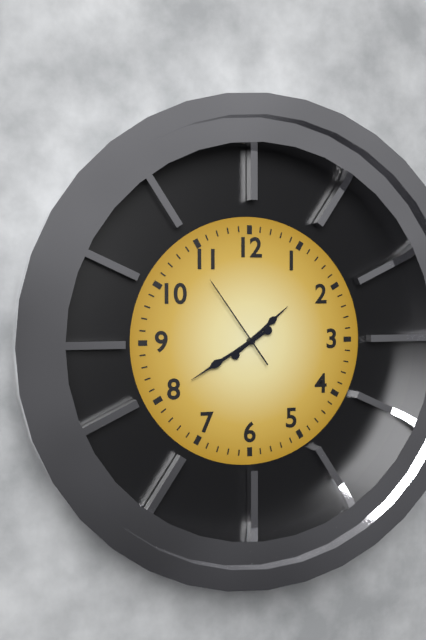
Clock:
1:40:54
